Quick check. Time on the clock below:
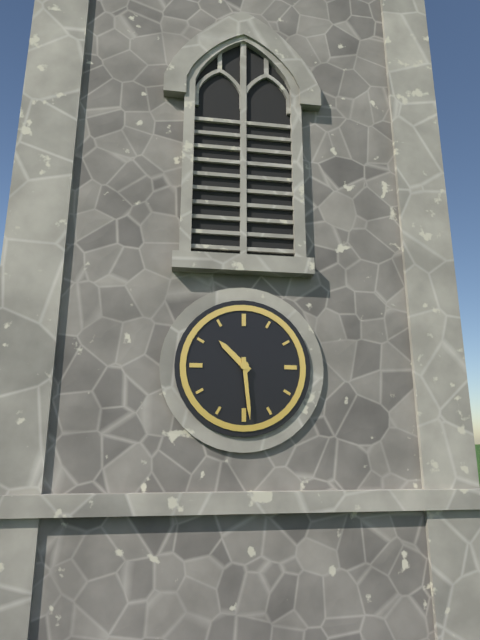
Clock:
10:29
